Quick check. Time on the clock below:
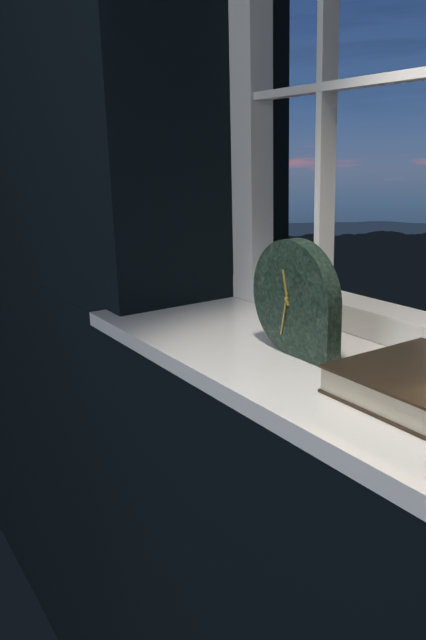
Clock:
11:32
